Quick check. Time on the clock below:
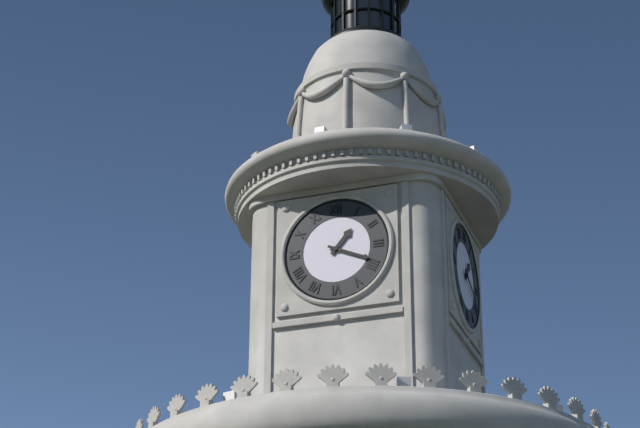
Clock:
1:19
